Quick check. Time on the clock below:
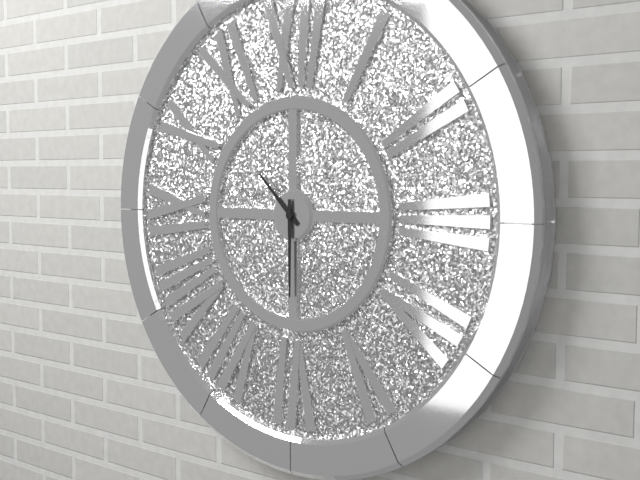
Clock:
10:30
